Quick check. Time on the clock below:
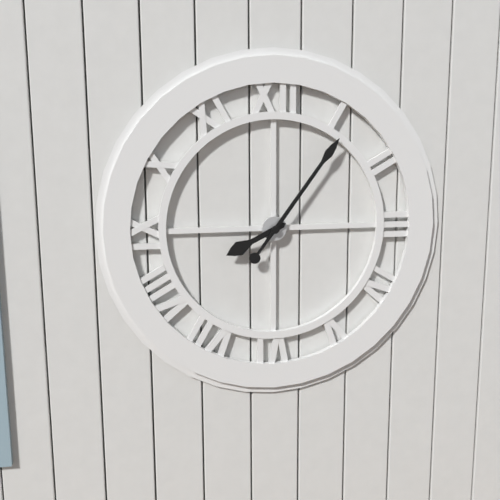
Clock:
8:06
